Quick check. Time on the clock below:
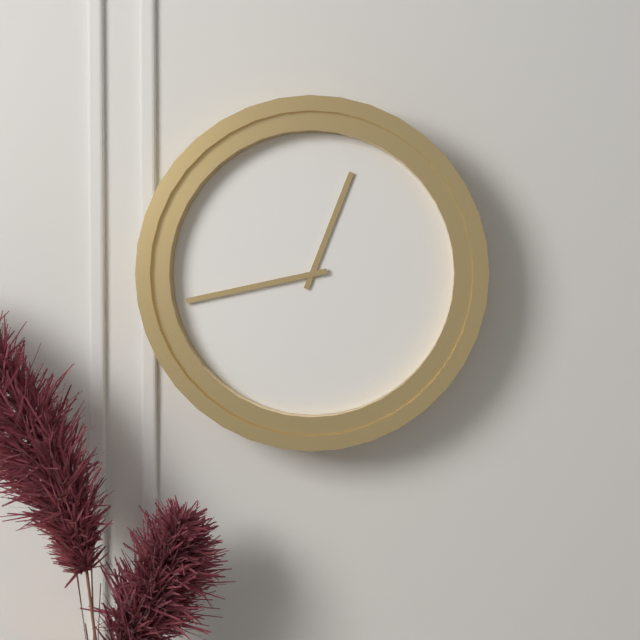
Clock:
12:43
